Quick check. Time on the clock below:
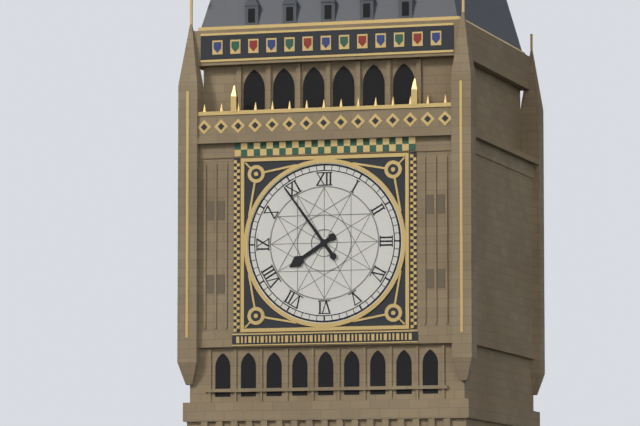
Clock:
7:54
